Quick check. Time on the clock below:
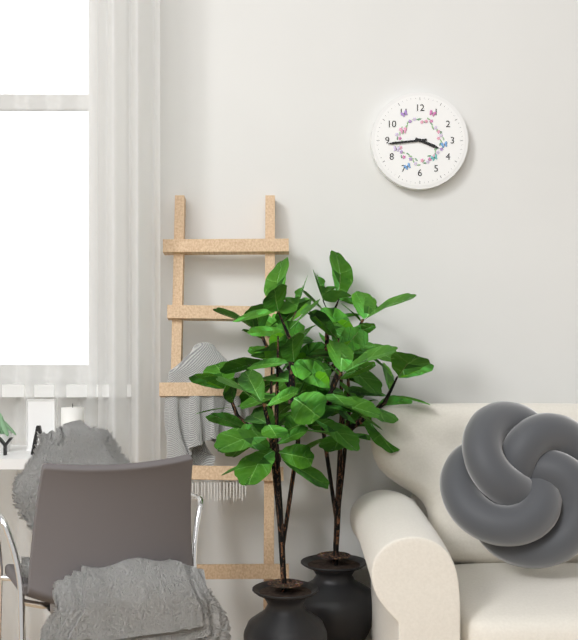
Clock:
3:44
